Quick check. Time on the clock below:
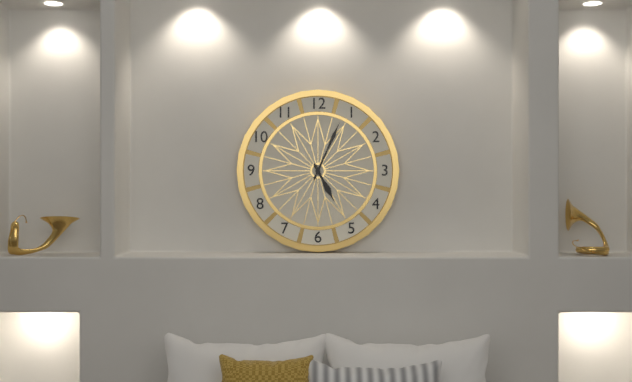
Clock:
5:04
